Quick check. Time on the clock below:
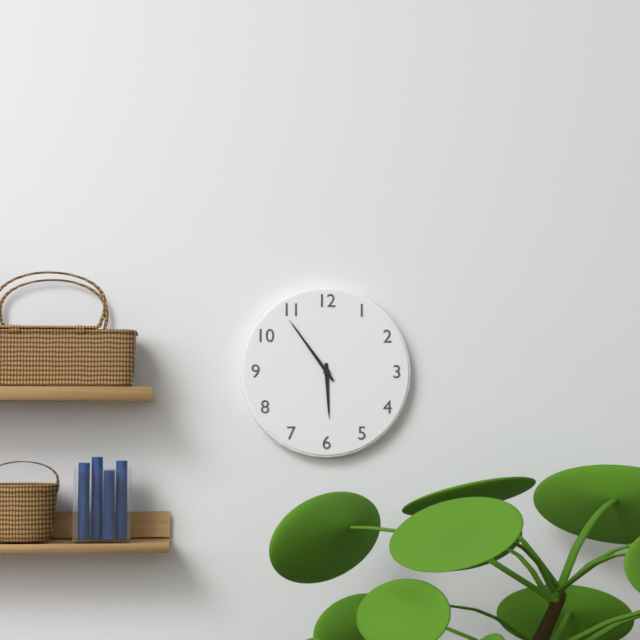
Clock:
5:54
